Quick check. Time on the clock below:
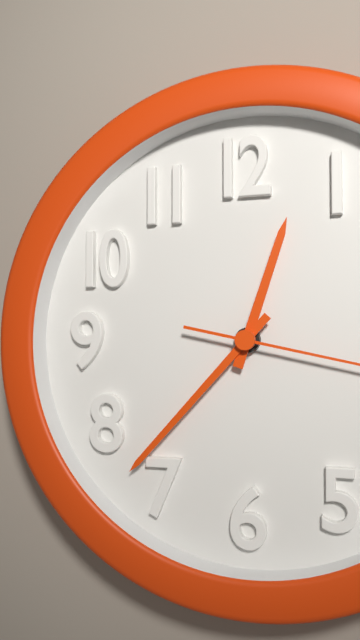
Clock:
12:37
